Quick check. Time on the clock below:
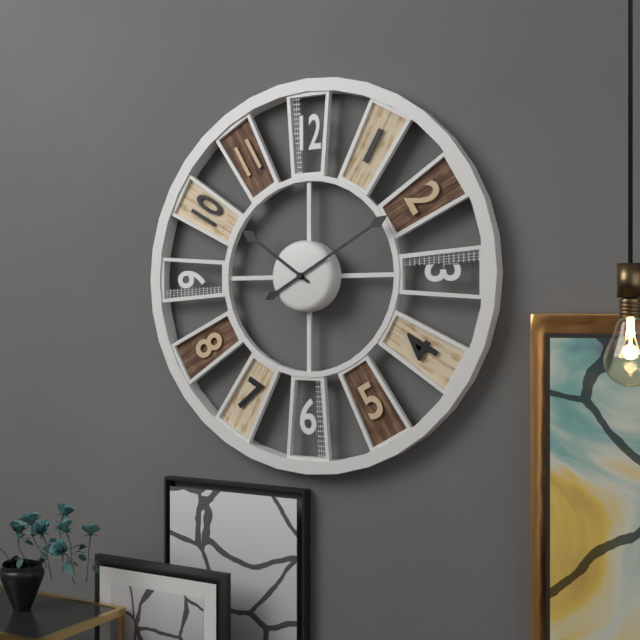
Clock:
10:10
